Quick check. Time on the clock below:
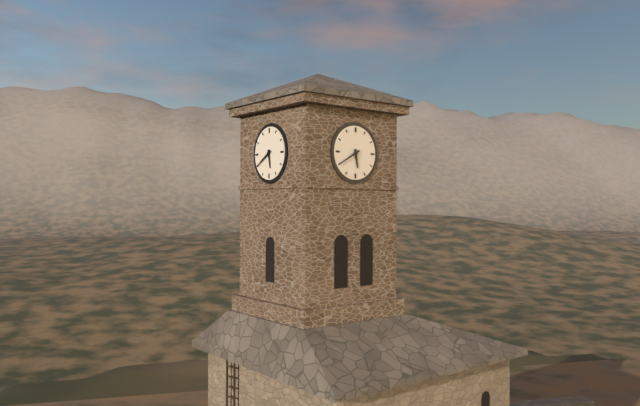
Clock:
5:40
